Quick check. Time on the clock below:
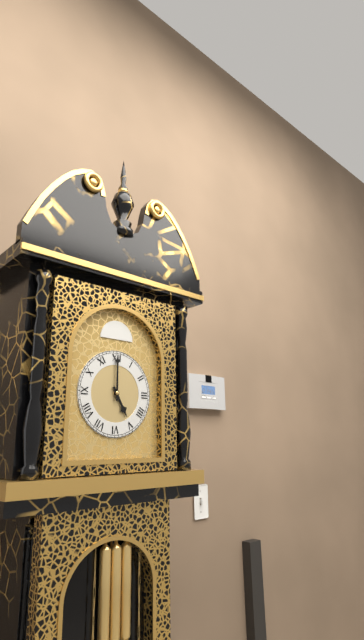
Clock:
5:00
